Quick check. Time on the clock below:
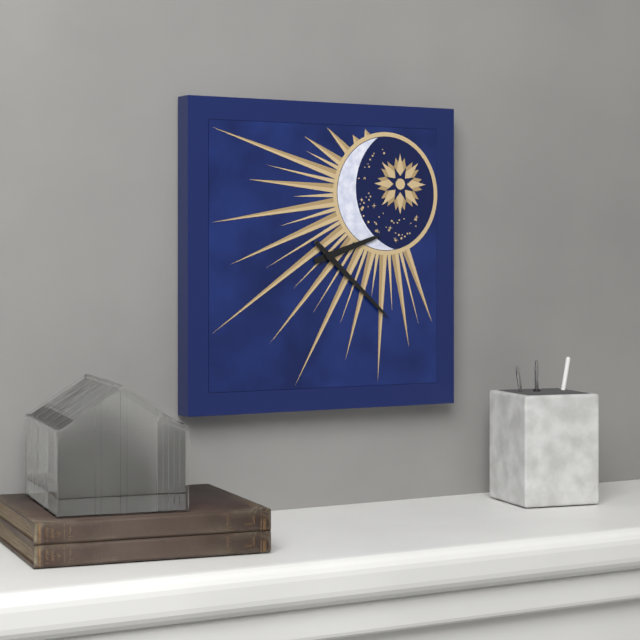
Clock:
2:22
